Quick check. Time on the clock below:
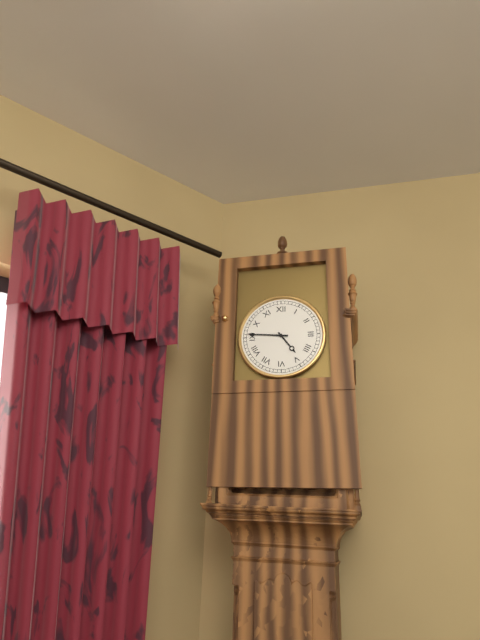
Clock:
4:46
